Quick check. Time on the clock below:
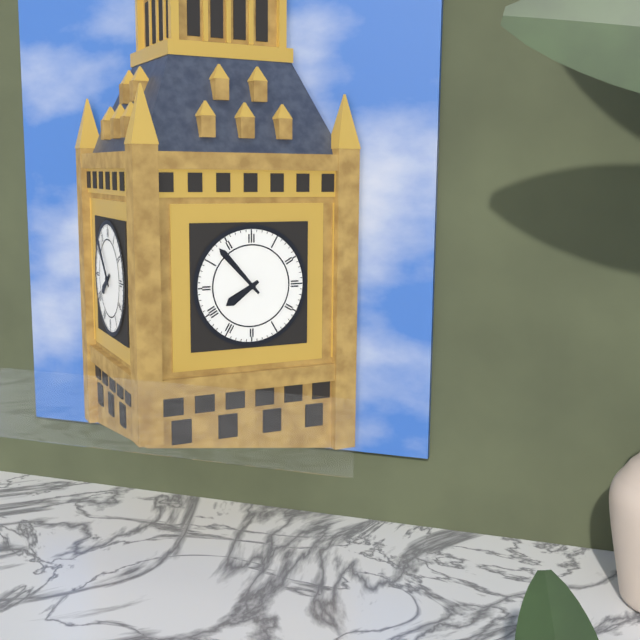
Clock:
7:53
